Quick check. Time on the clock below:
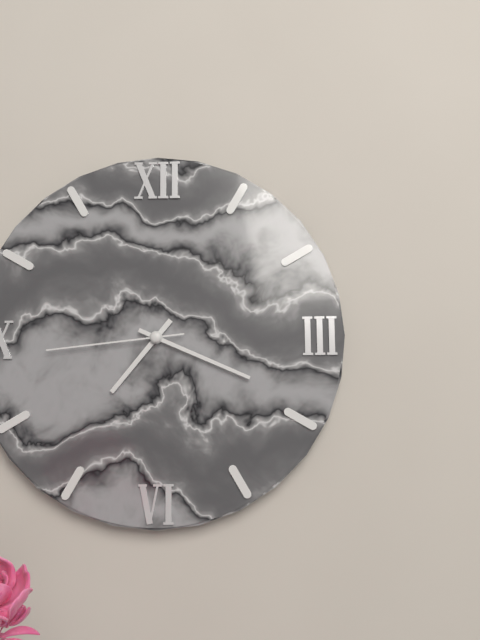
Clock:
7:19:44
